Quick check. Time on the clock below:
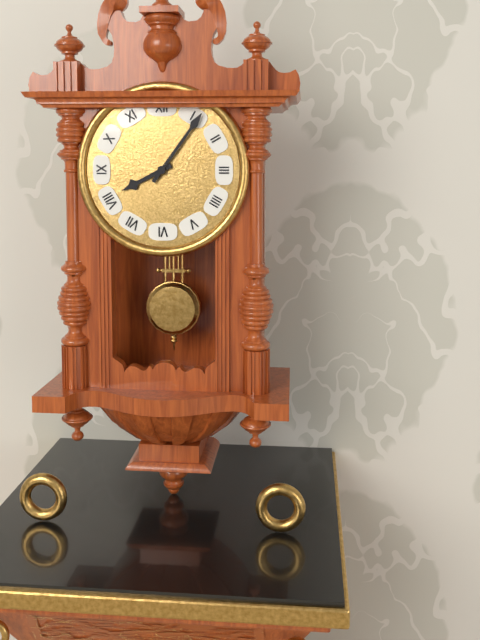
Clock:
8:06
